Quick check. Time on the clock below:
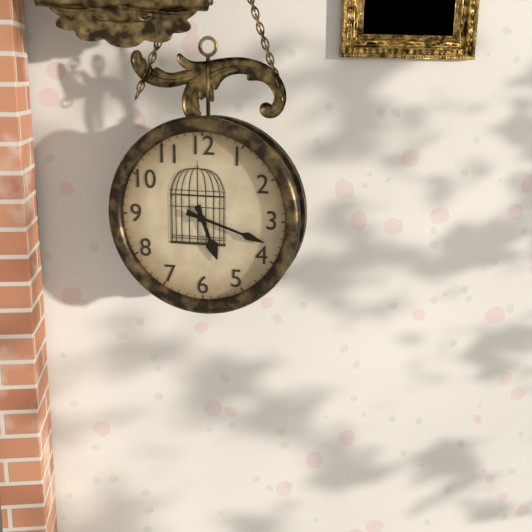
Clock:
5:18
